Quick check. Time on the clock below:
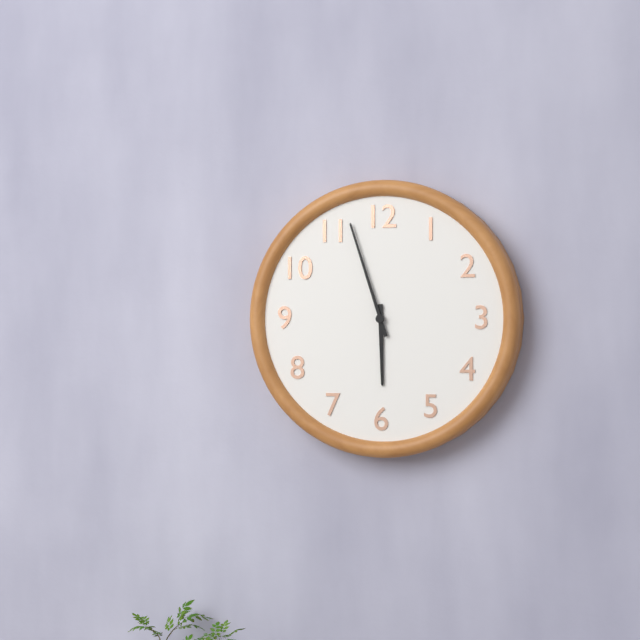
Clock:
5:57
